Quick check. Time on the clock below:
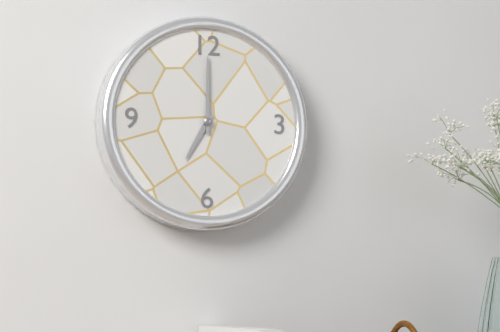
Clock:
7:00
